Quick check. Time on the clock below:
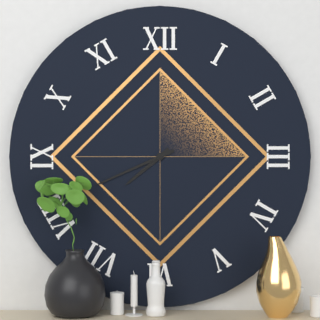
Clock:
7:41
